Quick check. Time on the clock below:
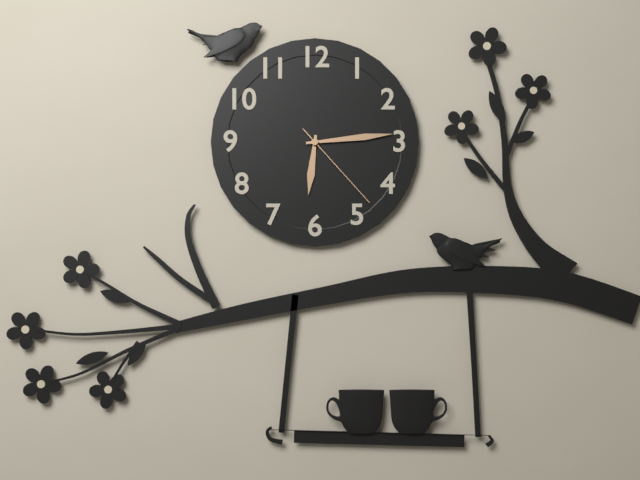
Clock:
6:14:23
